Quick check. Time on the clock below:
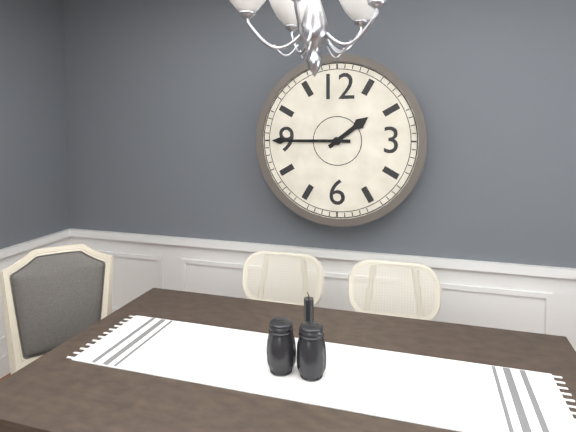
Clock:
1:45
